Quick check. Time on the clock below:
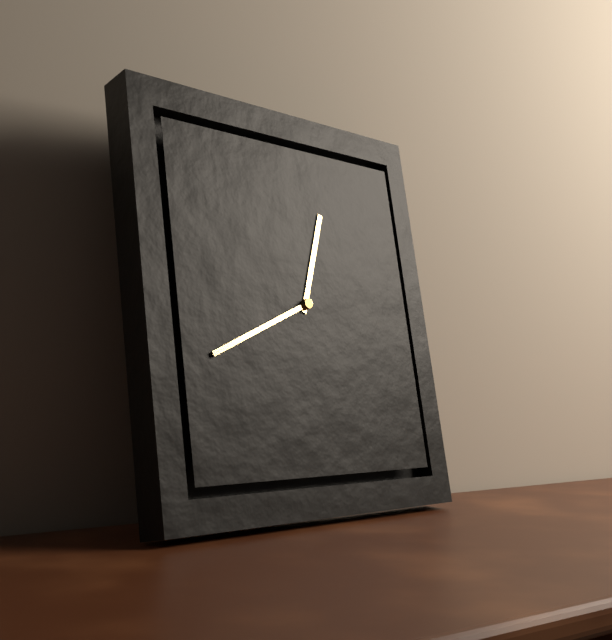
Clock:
12:41
